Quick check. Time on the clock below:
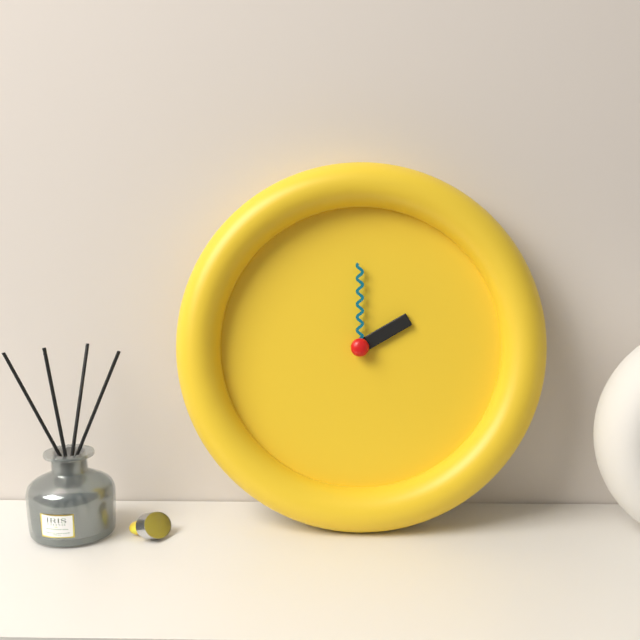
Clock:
2:00
